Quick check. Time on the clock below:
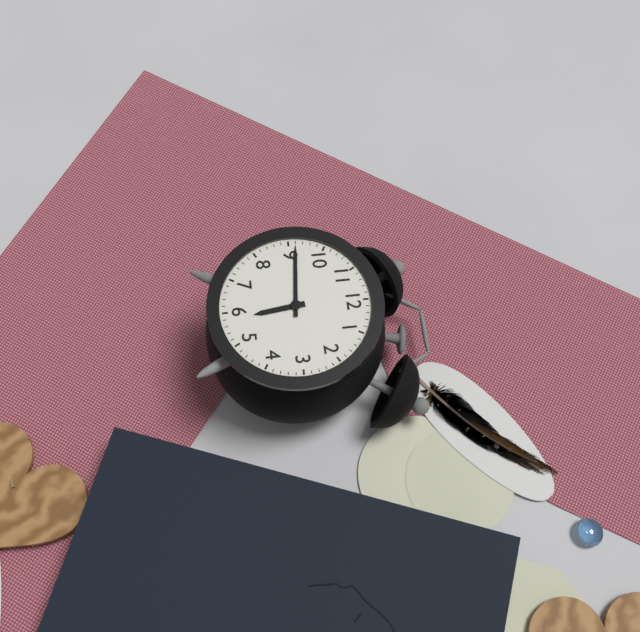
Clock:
5:46
